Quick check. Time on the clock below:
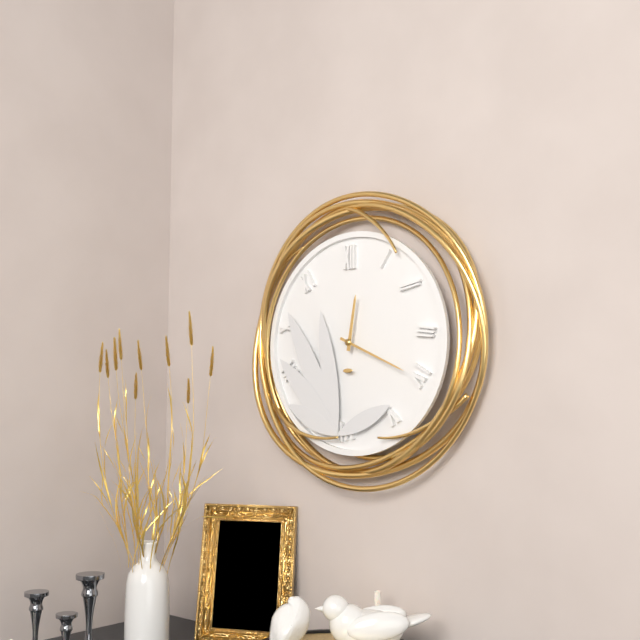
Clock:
12:19
